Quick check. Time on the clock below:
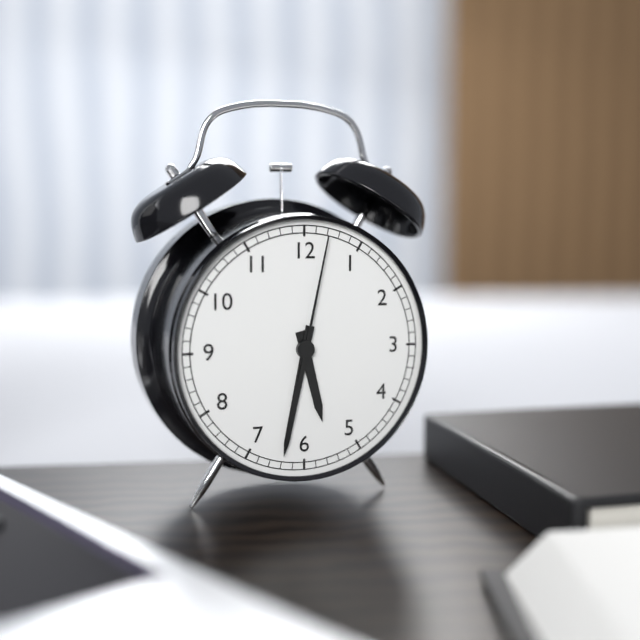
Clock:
5:32:02
